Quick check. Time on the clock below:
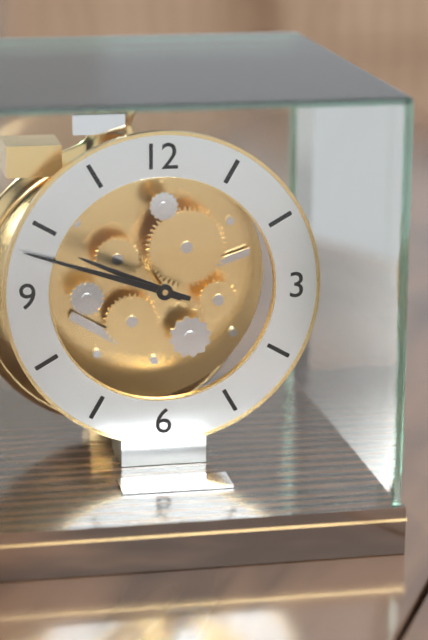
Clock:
9:48
